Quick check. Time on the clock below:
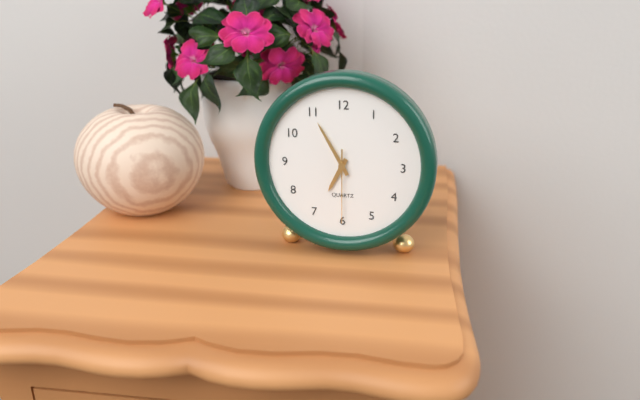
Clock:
6:55:30
